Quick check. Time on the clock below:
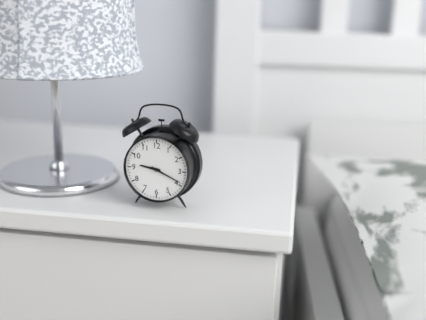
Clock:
9:19
